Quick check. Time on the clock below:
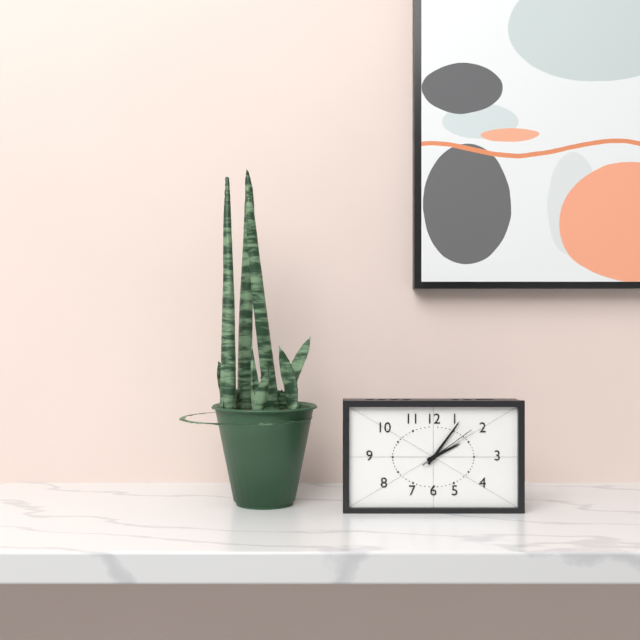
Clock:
2:06:09
